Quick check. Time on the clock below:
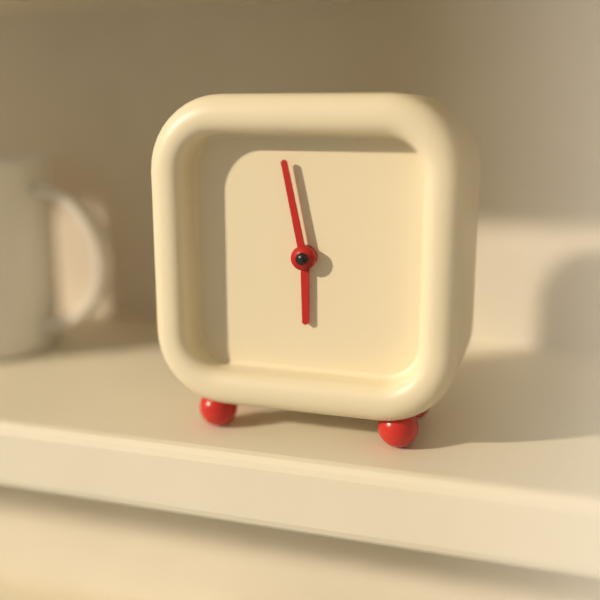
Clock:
5:58
